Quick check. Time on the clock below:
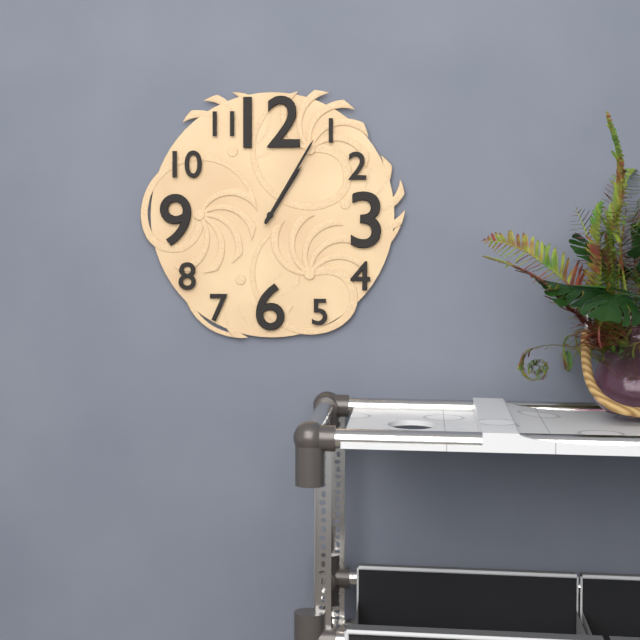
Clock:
1:05
